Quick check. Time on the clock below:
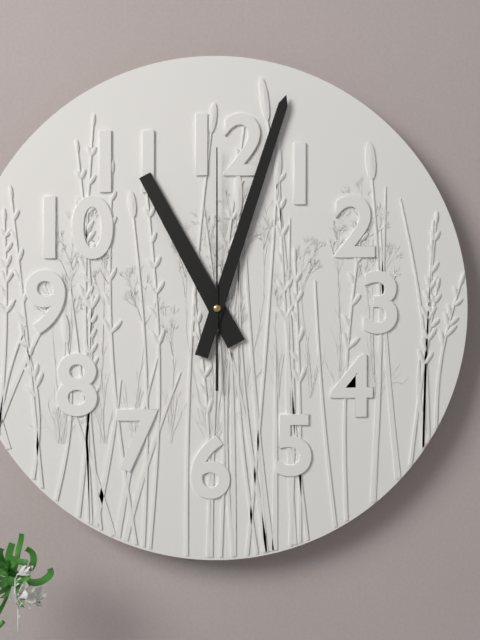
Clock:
11:03:00
